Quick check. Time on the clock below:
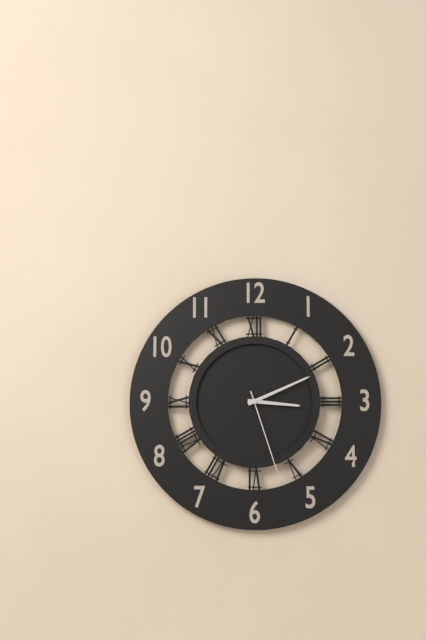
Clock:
3:11:27
